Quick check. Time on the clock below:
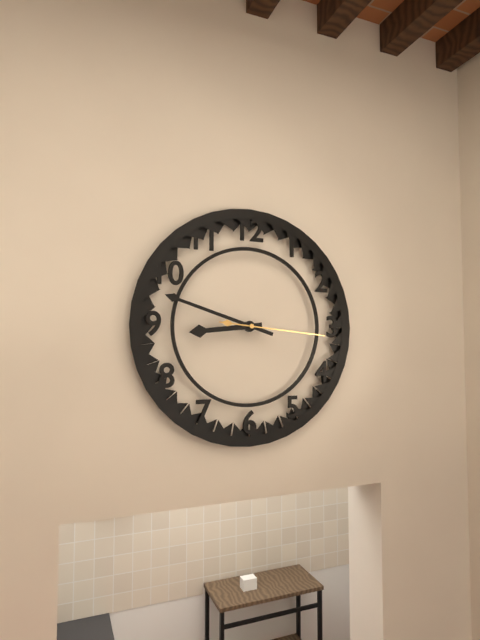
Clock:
8:48:16
